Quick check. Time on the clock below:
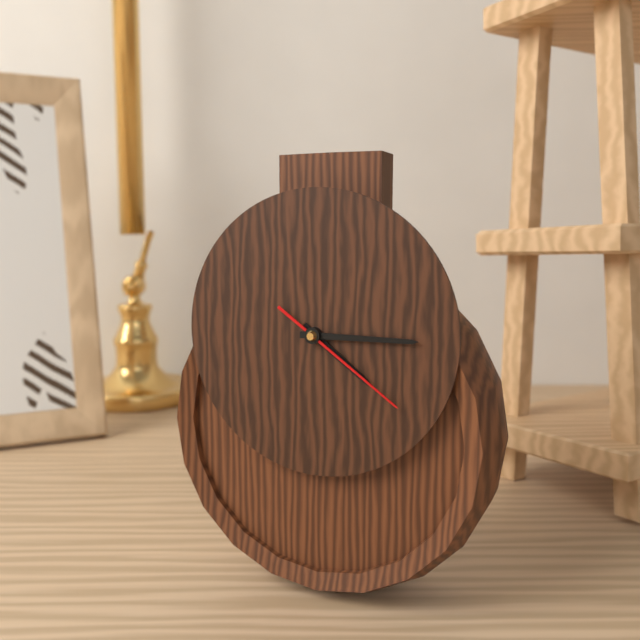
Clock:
4:15:21
